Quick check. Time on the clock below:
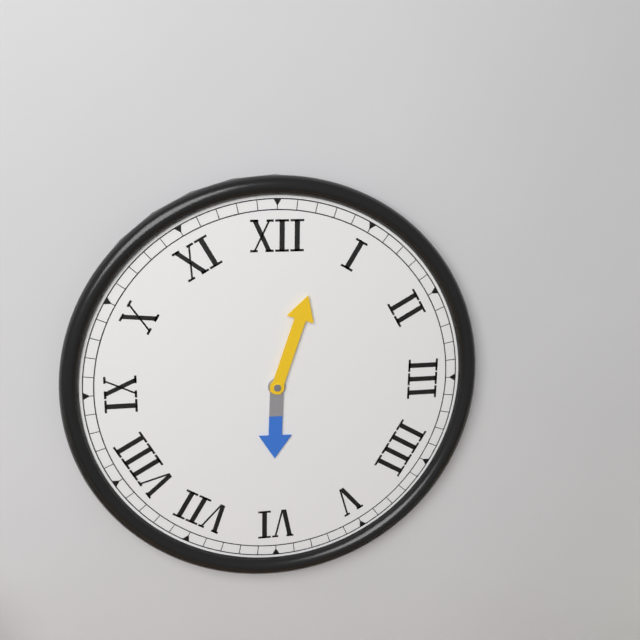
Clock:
6:03
